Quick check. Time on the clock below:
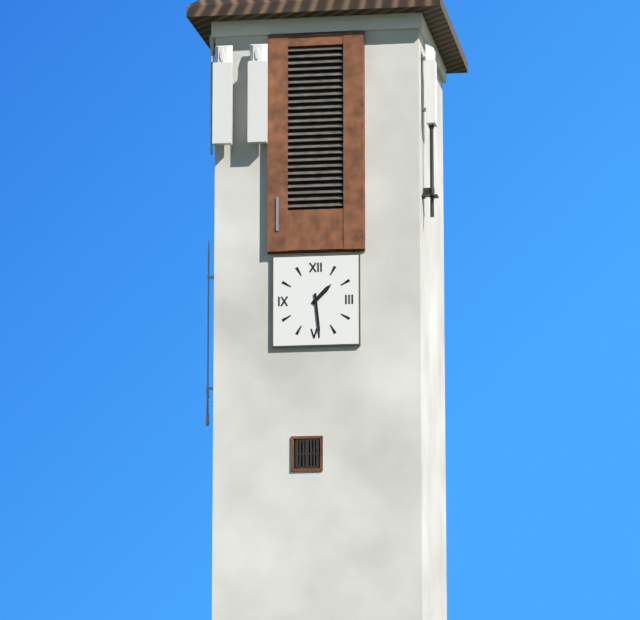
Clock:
1:29
